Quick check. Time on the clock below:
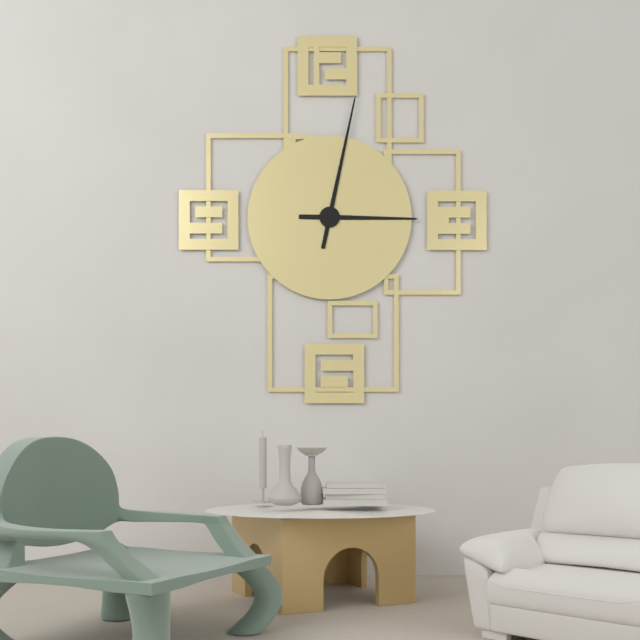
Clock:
3:02
